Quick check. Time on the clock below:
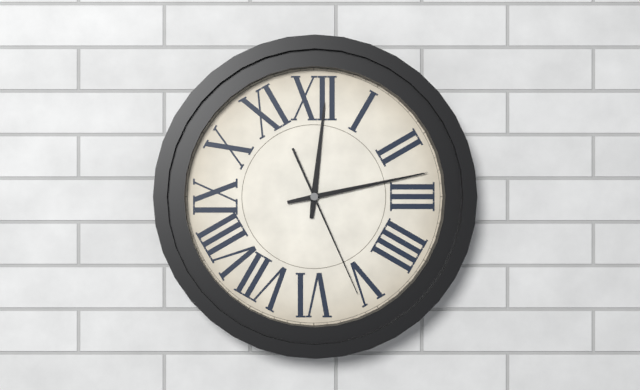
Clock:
12:13:26
